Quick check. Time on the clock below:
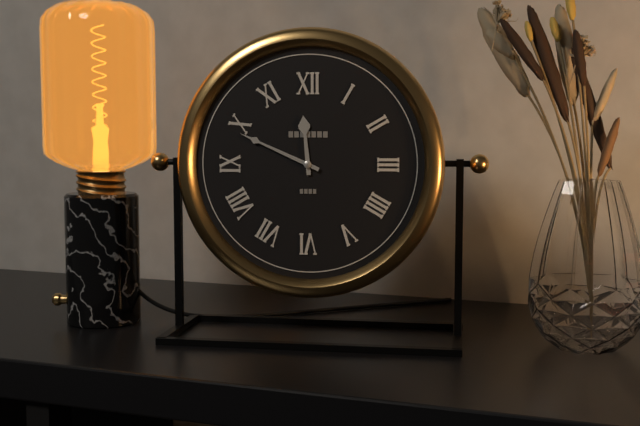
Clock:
11:49
